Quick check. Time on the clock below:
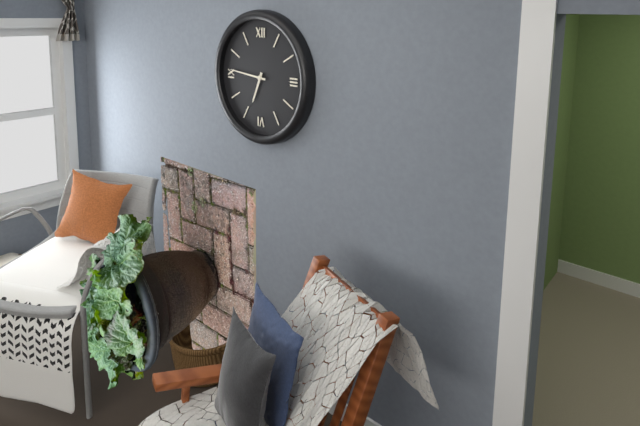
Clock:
6:46
